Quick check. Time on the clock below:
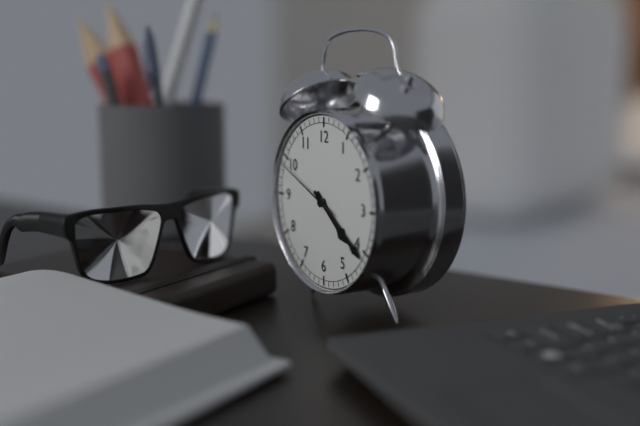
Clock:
4:21:49
